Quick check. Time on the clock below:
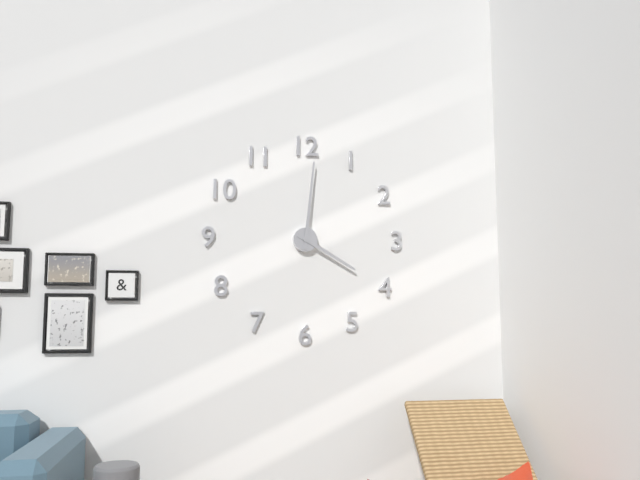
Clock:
4:01
